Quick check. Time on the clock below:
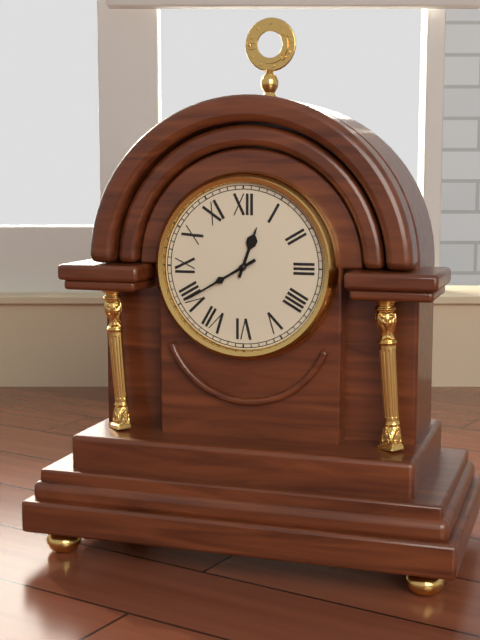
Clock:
12:40
